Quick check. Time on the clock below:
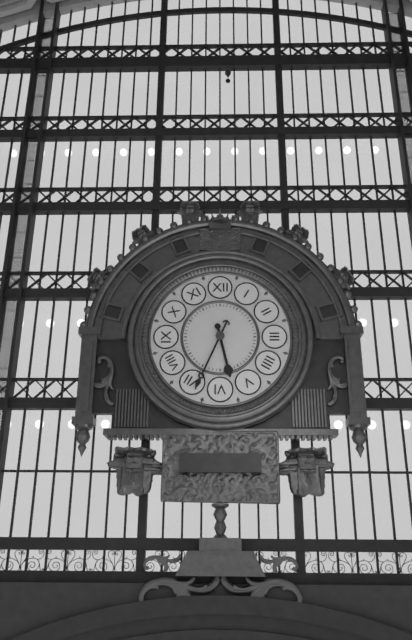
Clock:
5:34
